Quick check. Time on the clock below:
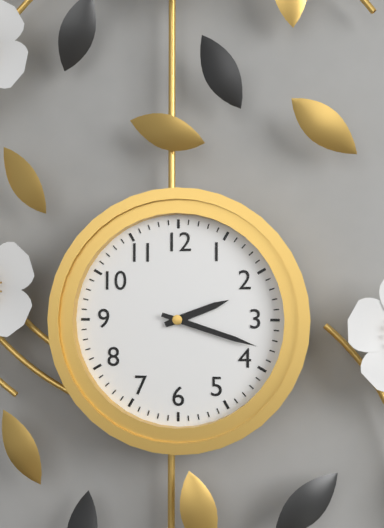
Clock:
2:18
